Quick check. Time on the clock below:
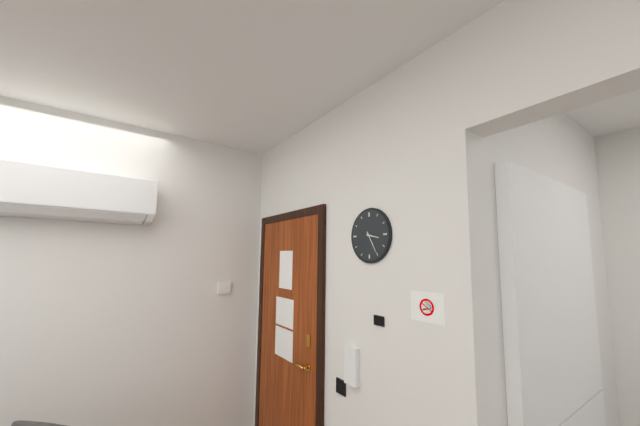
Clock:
3:25
